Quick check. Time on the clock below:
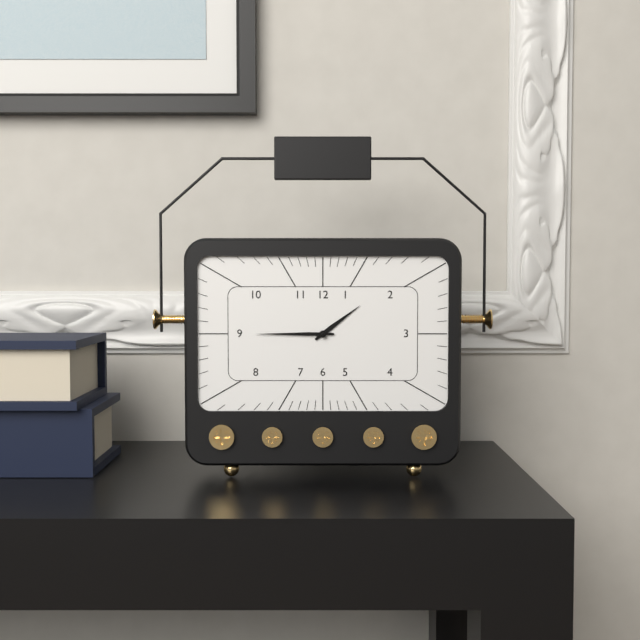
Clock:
1:45
